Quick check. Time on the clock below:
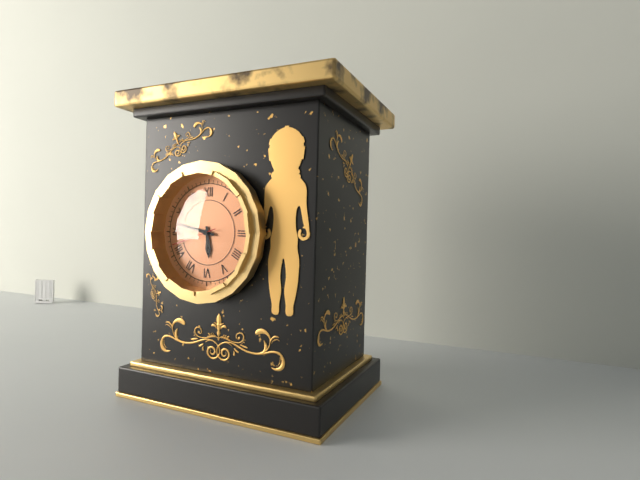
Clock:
5:47
